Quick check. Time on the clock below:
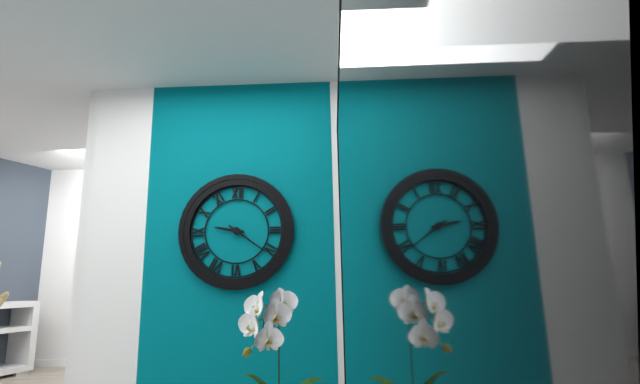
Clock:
9:21
